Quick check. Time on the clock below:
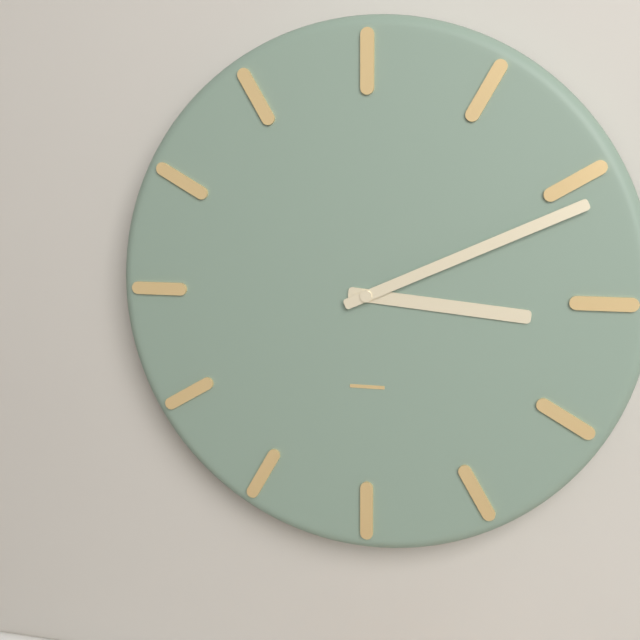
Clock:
3:11
